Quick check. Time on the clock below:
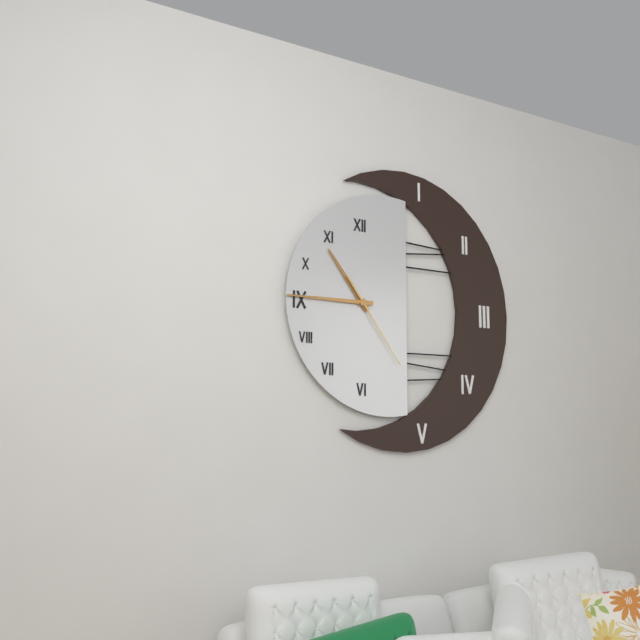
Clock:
10:45:24
